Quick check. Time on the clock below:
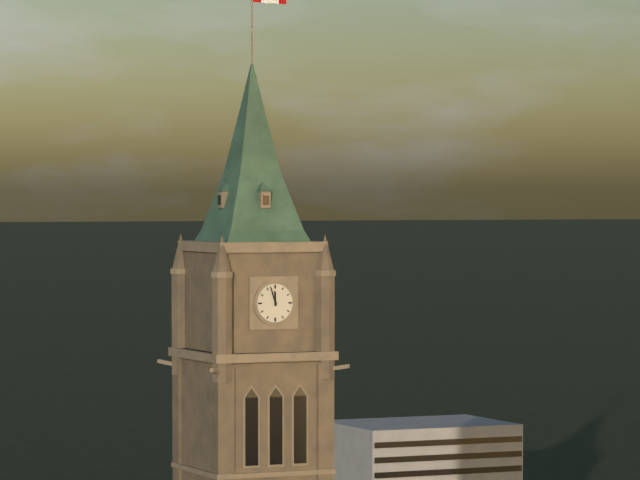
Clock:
11:57
